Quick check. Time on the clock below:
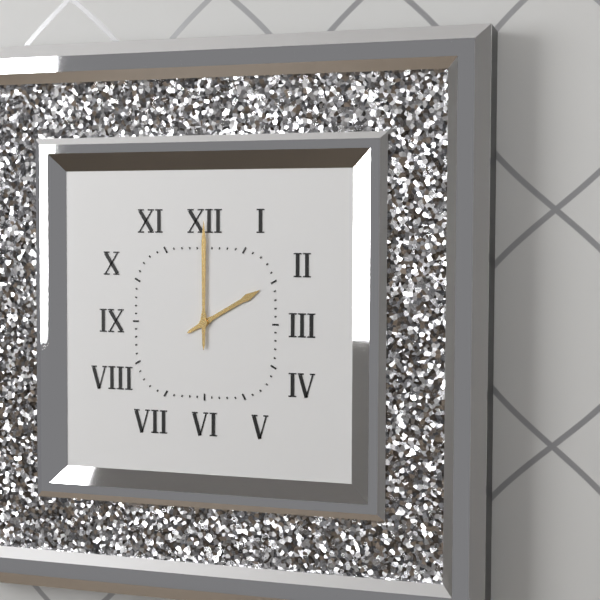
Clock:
2:00
